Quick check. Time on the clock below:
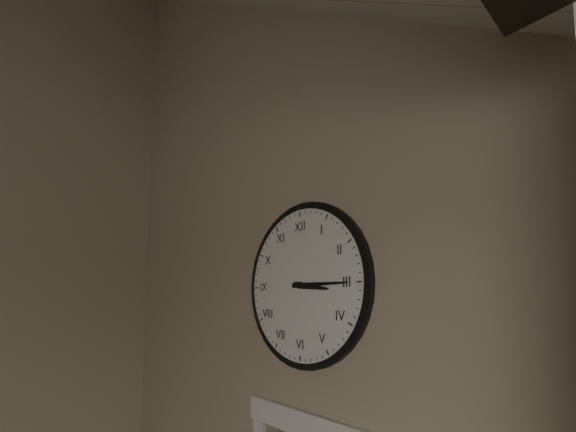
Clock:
3:15
